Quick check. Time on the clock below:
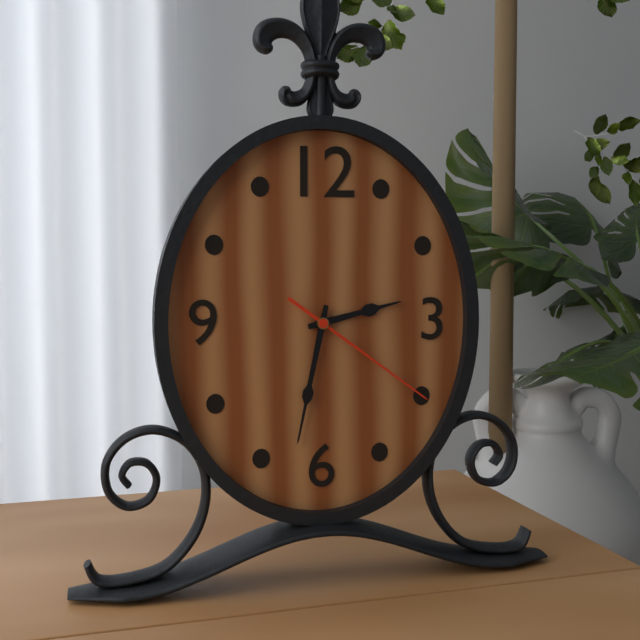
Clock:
2:32:21
